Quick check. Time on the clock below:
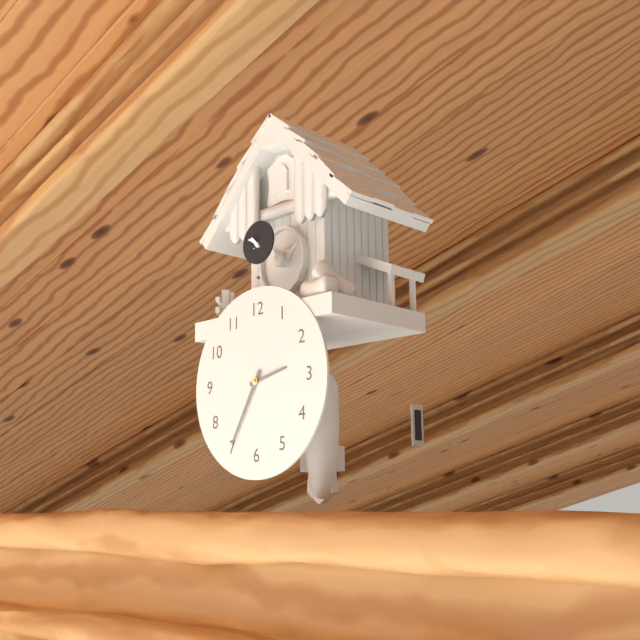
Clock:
2:35
